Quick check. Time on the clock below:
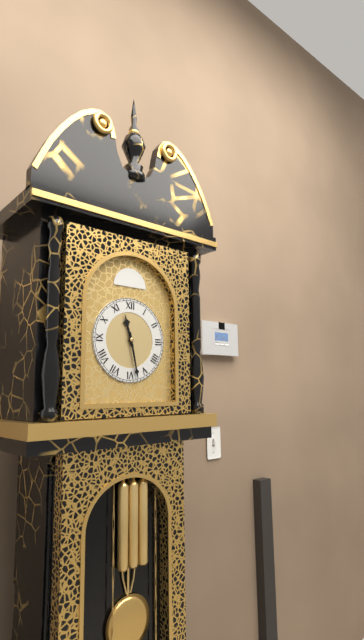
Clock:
11:28
